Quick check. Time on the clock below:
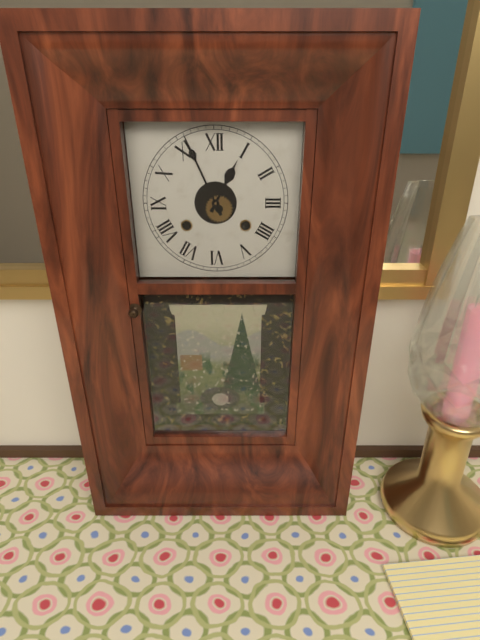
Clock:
12:56
